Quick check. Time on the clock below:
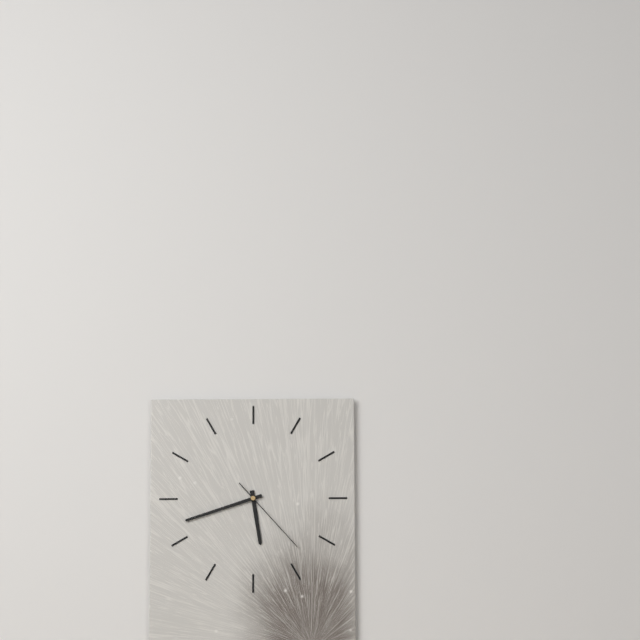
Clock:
5:42:23
